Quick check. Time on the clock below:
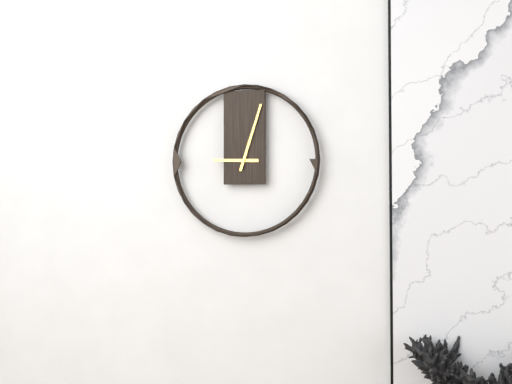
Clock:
9:03
